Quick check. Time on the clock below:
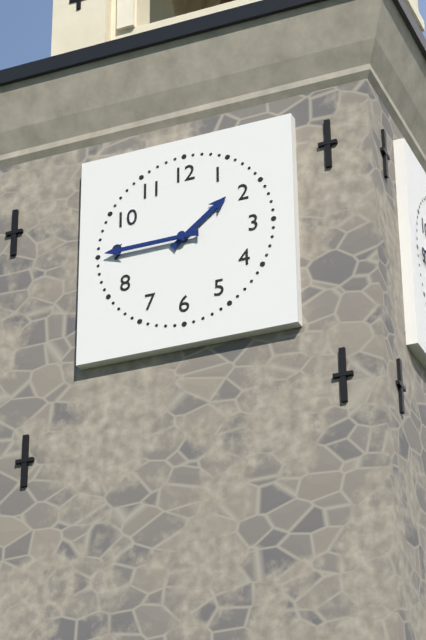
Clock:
1:45
